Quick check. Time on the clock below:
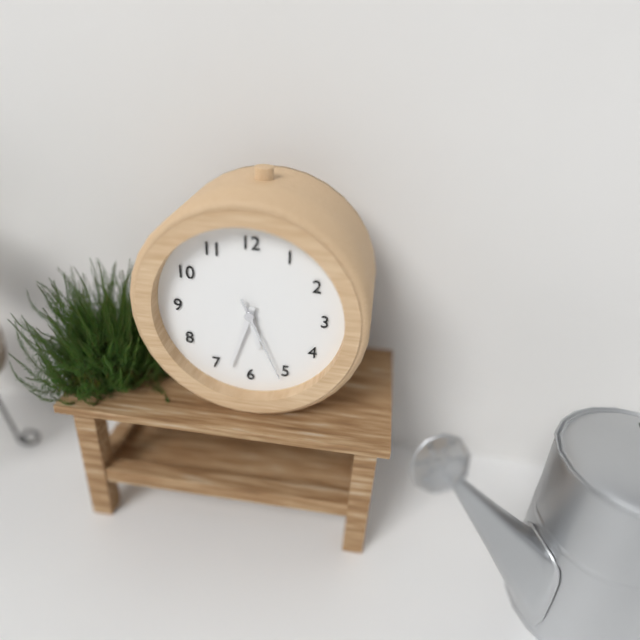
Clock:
5:33:26
